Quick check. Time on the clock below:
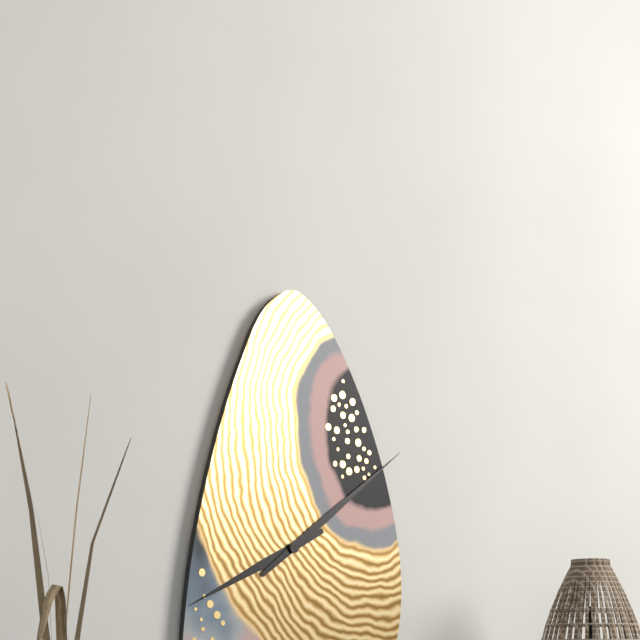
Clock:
8:09
